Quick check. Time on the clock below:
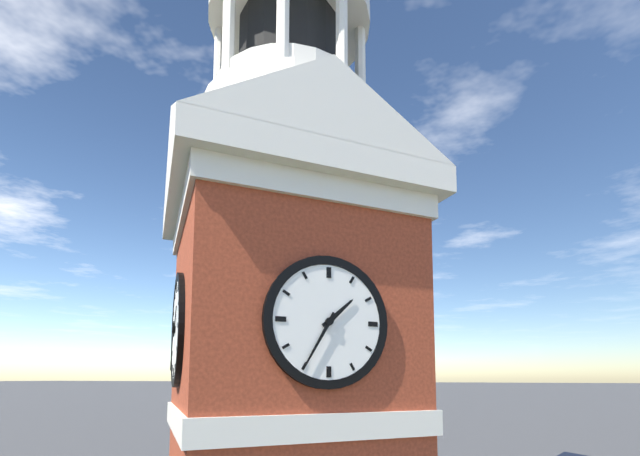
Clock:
1:35
